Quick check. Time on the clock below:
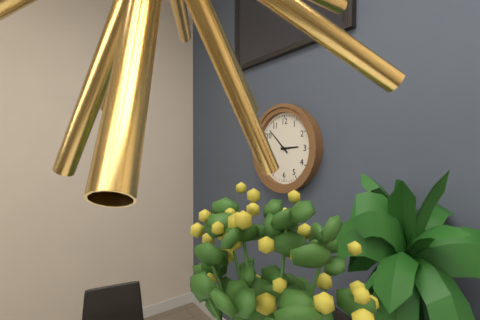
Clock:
2:52
